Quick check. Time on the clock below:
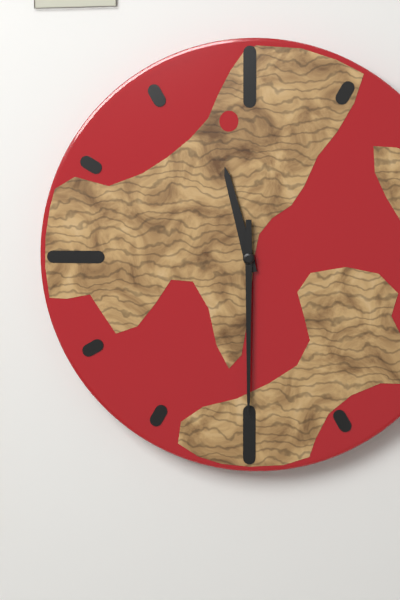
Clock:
11:30
